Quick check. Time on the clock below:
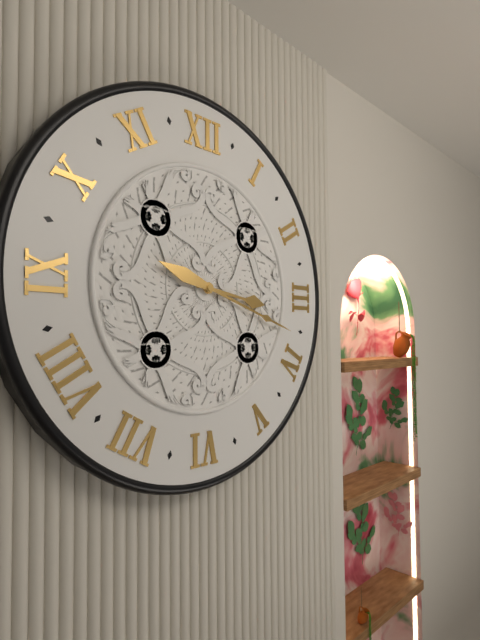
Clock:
3:18
